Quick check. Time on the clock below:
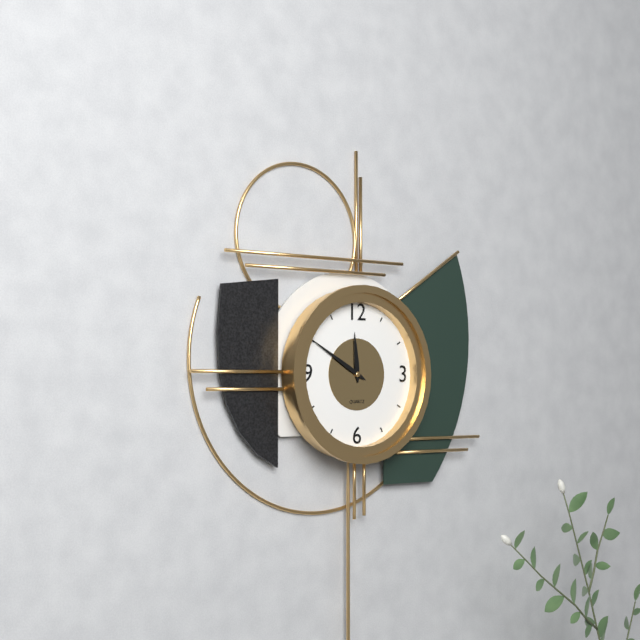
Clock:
11:50
